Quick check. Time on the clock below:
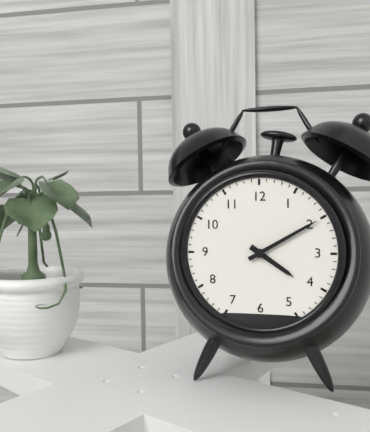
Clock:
4:10
